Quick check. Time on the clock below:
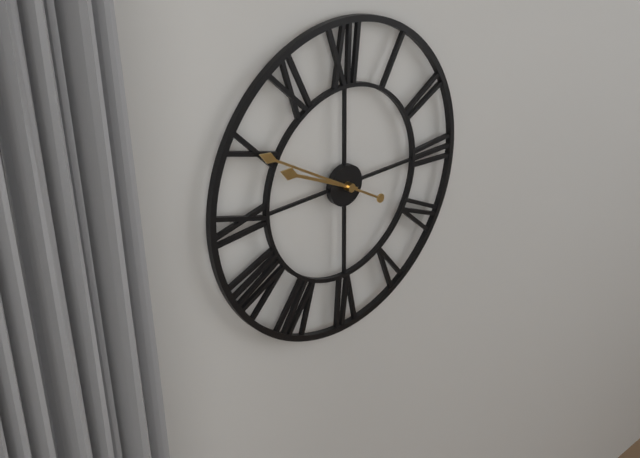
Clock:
9:50
